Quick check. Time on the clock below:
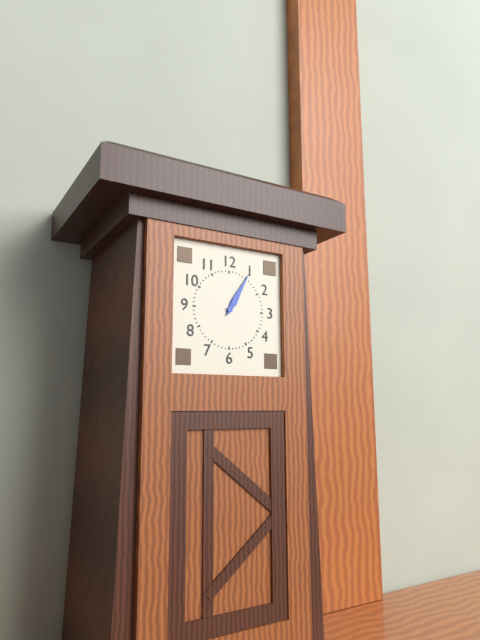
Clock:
1:05
